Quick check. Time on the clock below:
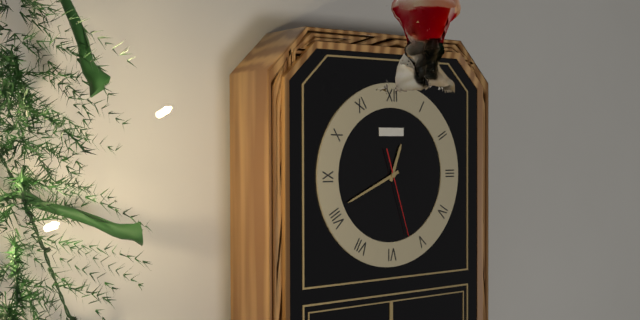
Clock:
12:41:27
